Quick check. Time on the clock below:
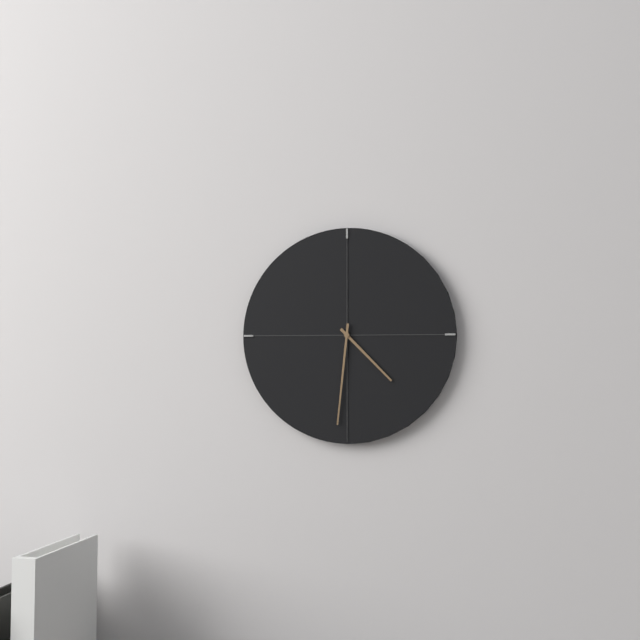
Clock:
4:31
